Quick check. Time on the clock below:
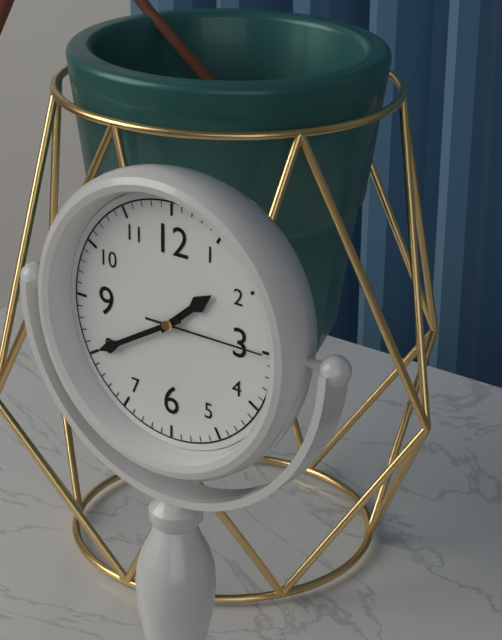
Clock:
1:40:15
